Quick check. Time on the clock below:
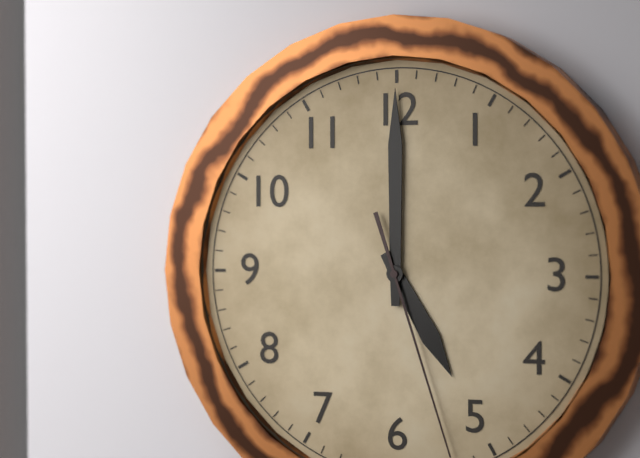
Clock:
5:00:27
